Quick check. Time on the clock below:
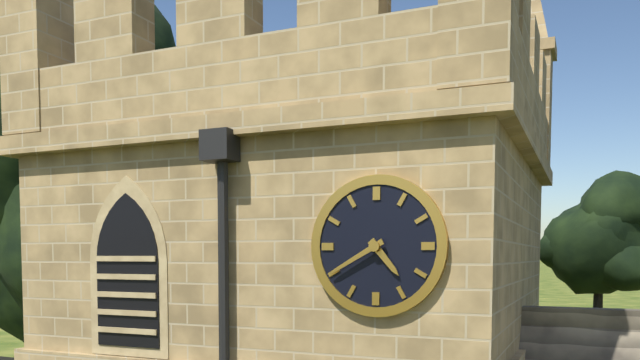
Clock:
4:40
